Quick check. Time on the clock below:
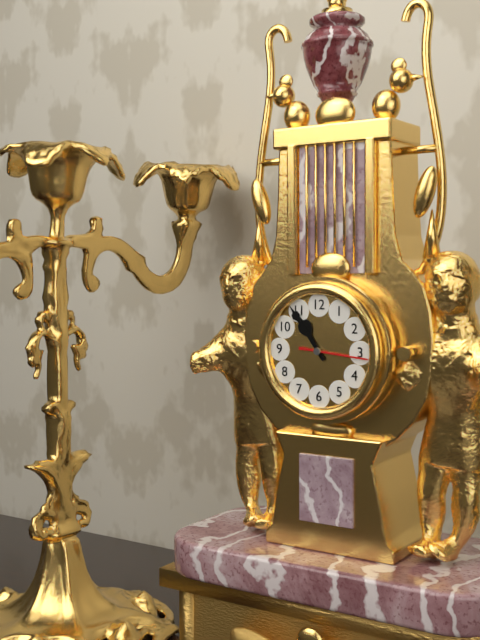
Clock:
10:54:16
